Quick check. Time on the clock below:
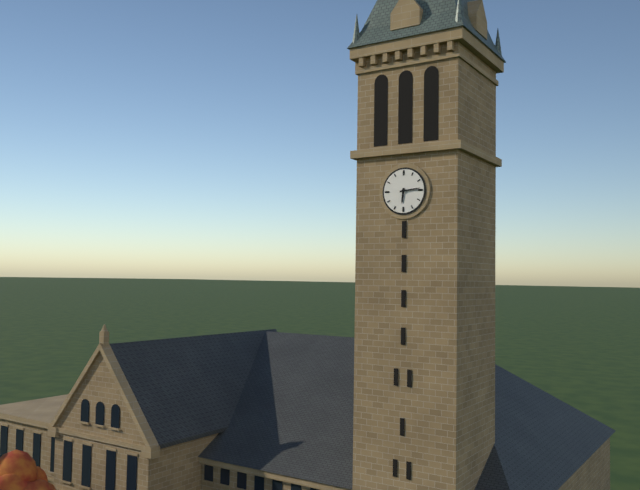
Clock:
6:14
